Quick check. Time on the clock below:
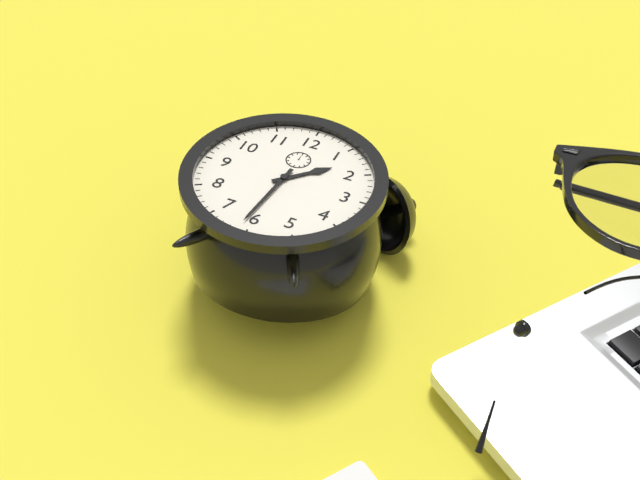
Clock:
1:31
